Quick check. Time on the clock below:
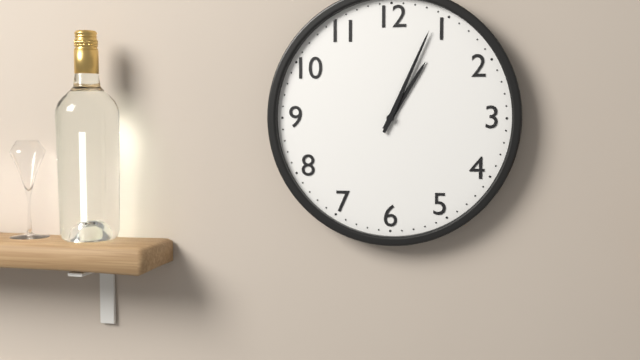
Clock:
1:04
